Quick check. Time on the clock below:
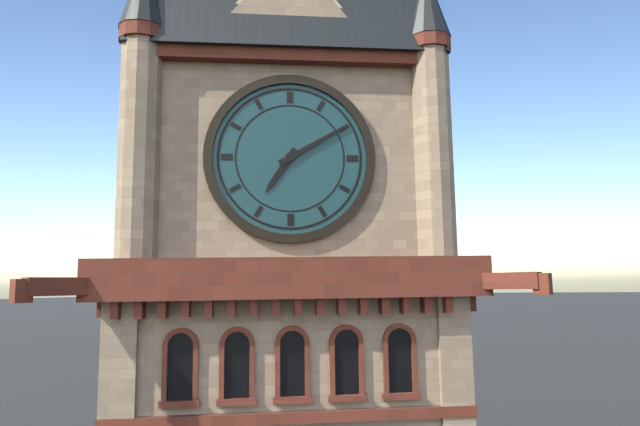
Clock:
7:10
